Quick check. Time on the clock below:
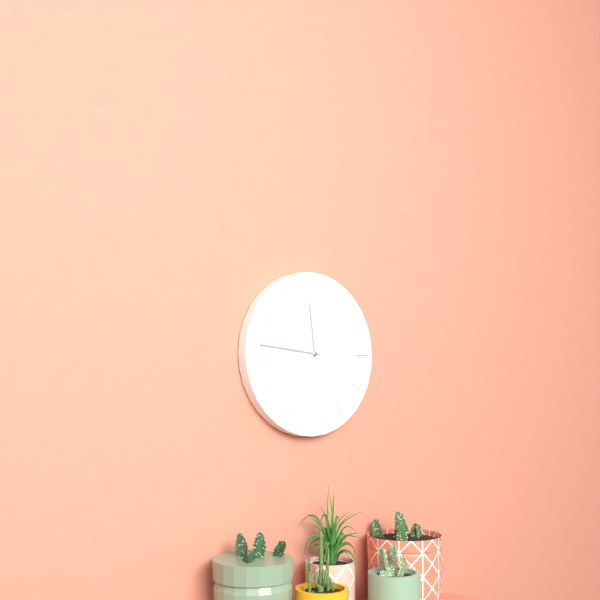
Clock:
11:46
